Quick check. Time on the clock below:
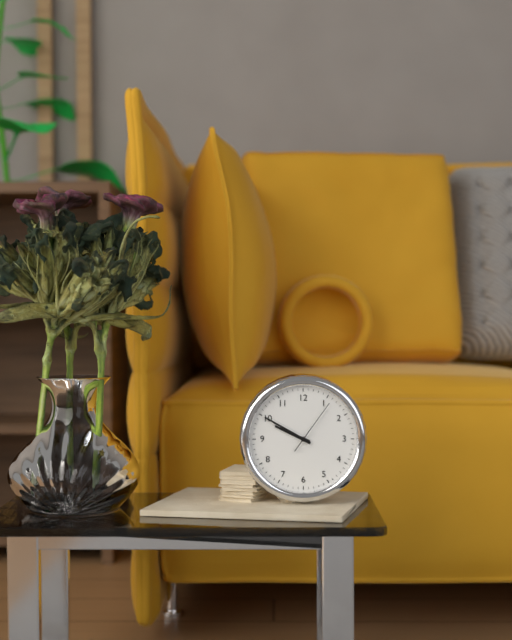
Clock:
9:50:06
